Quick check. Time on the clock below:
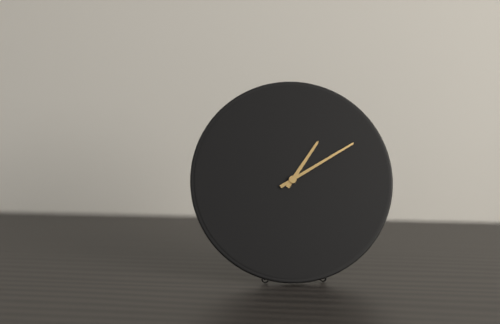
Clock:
1:10
